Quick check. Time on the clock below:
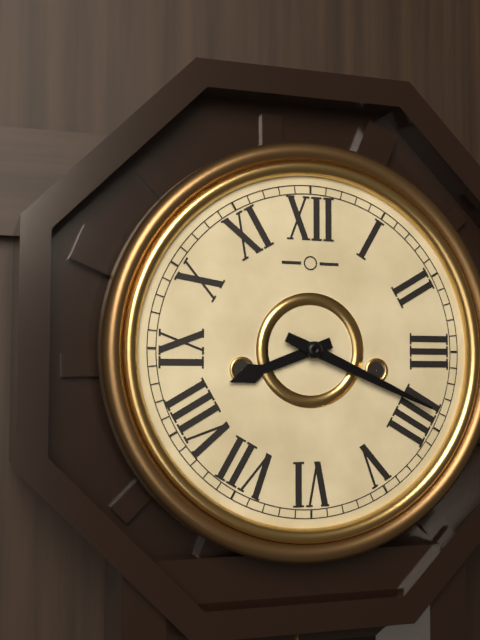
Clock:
8:19
